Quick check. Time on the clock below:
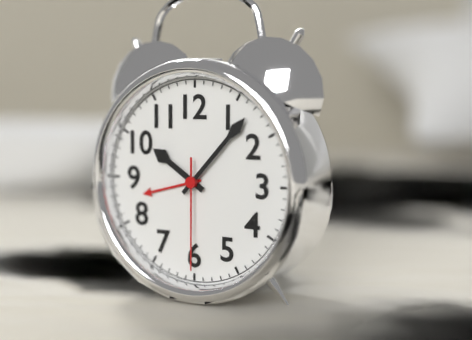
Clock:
10:07:30
